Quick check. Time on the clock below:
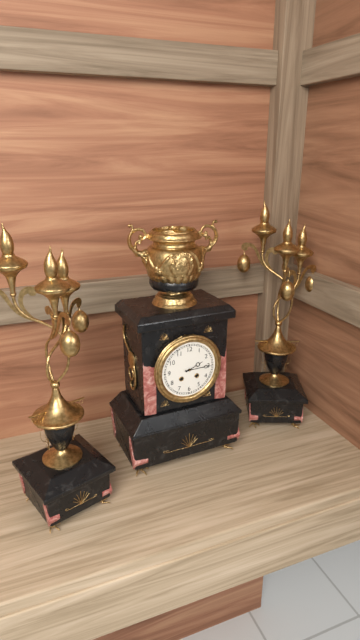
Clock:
2:15
